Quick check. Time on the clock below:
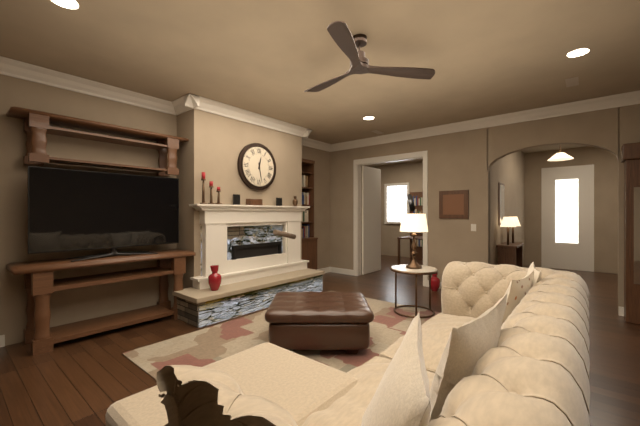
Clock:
12:28
